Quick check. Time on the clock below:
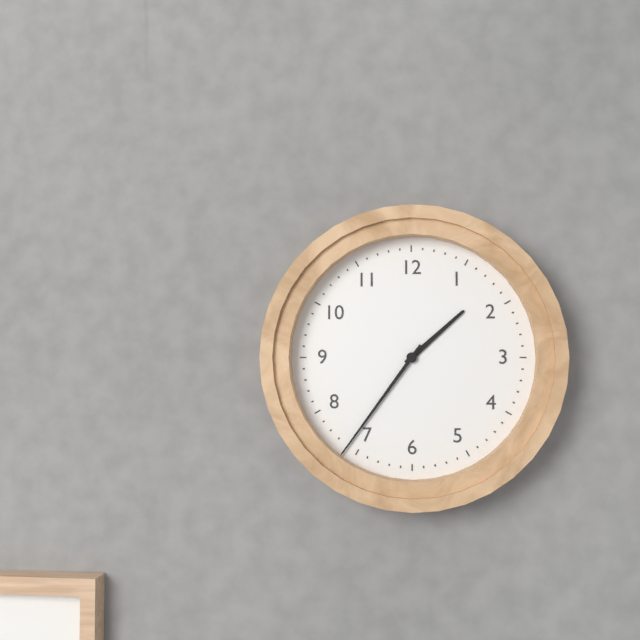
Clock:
1:36
